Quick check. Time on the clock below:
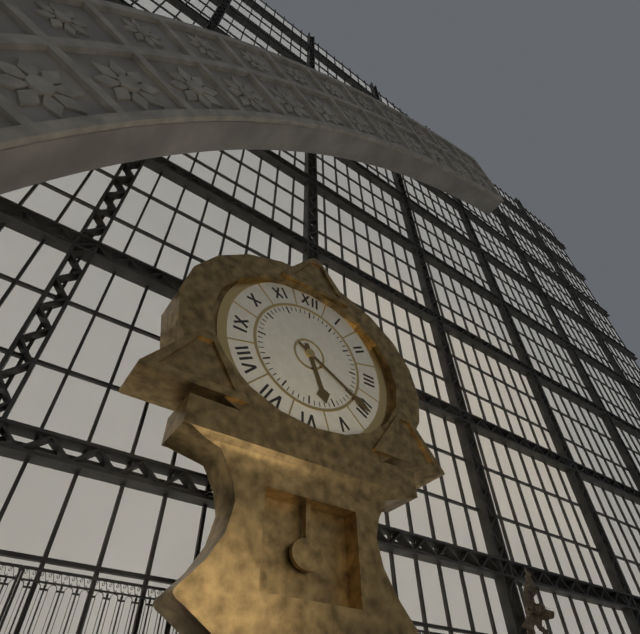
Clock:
5:20
